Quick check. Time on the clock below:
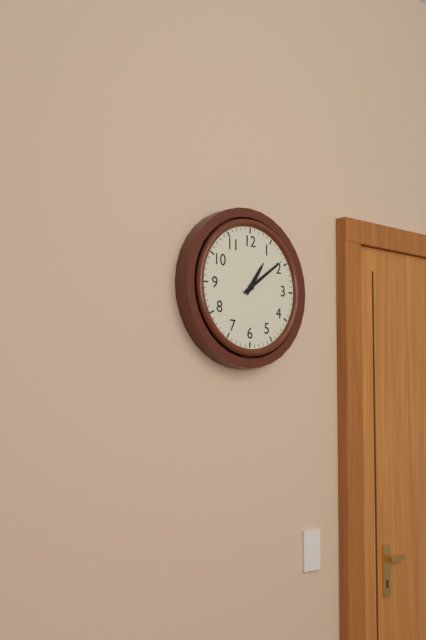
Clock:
1:09
